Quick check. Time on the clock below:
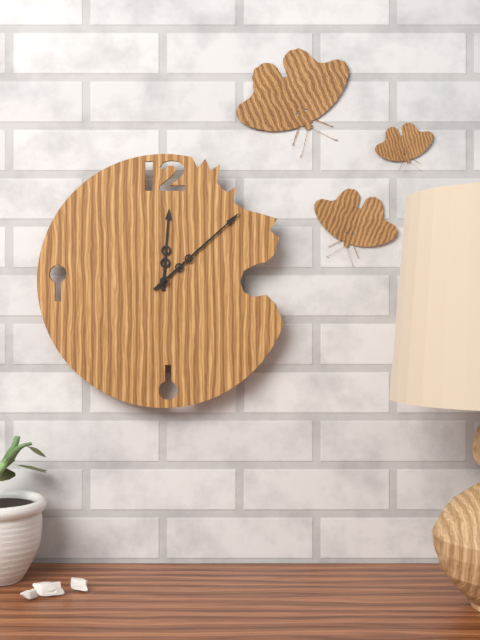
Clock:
12:08
